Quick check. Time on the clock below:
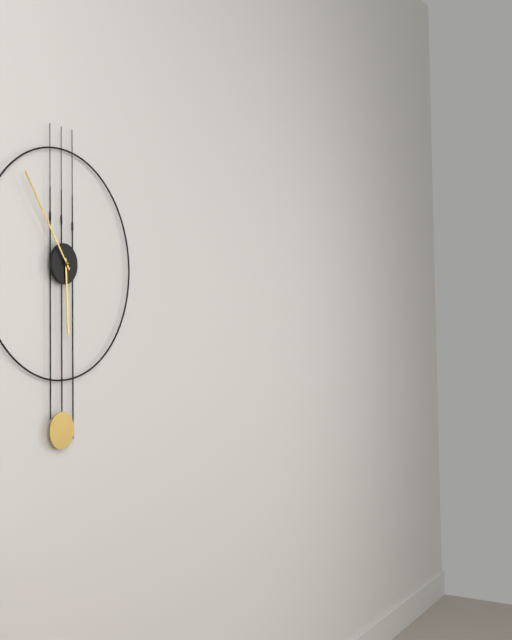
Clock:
5:54
